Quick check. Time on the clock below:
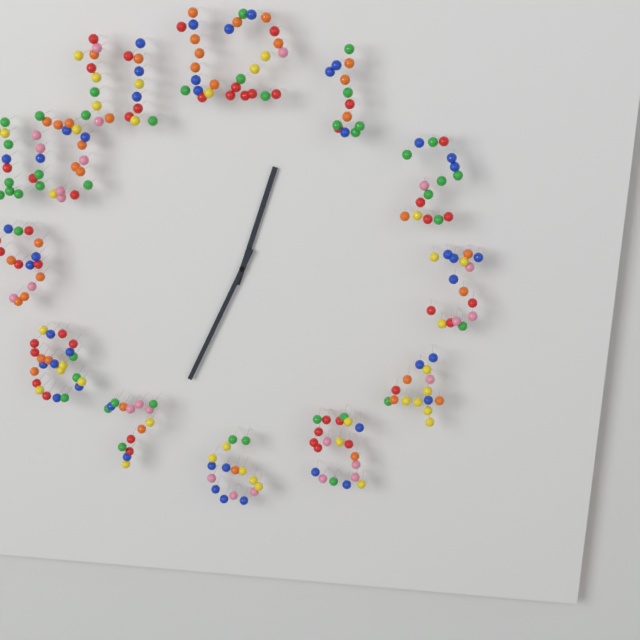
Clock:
12:34
